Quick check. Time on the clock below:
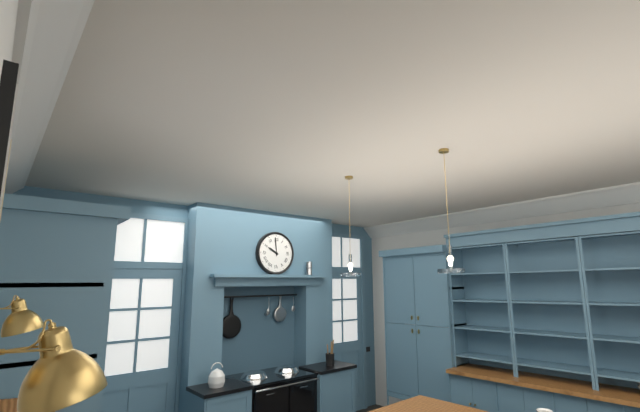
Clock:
9:59
